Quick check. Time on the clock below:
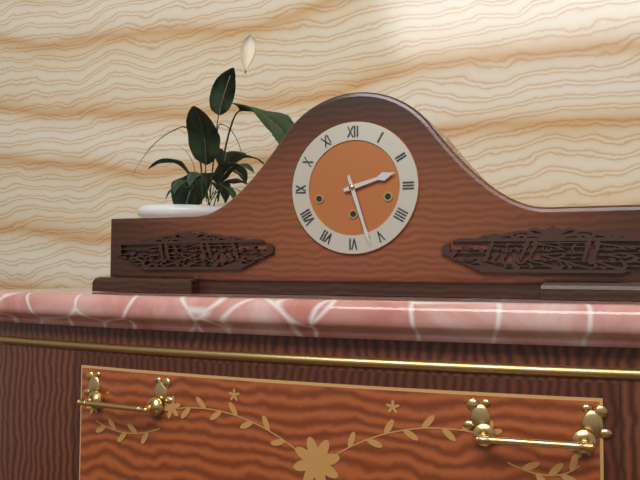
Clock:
2:27
